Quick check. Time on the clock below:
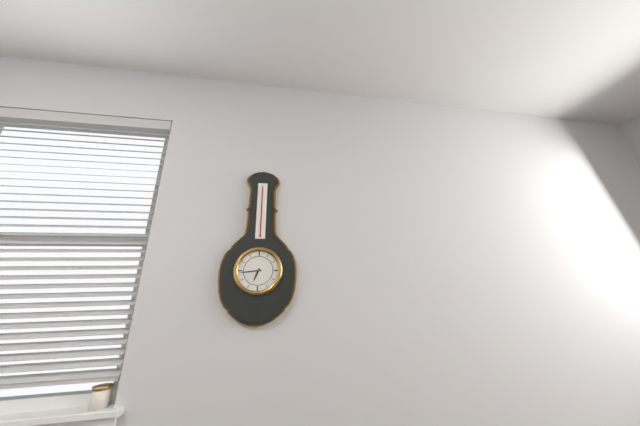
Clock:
6:44
